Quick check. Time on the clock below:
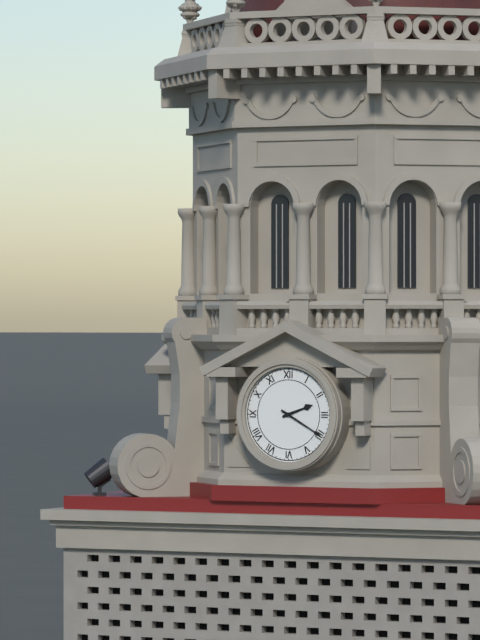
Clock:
2:20
